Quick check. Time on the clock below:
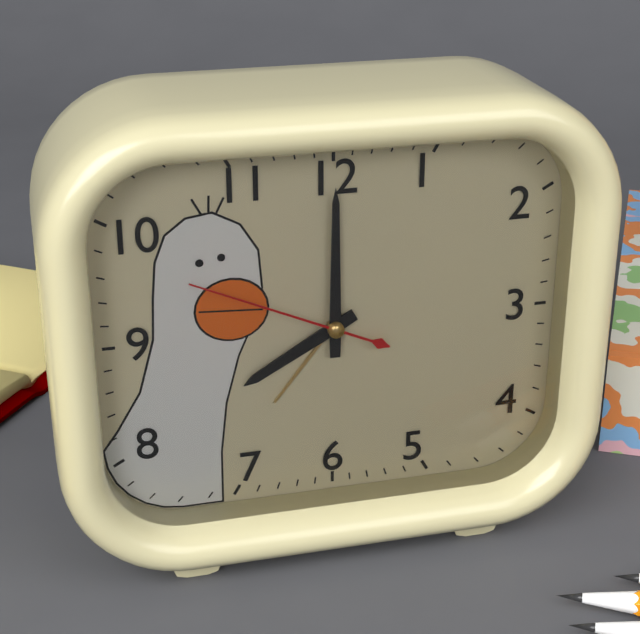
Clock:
8:00:49
